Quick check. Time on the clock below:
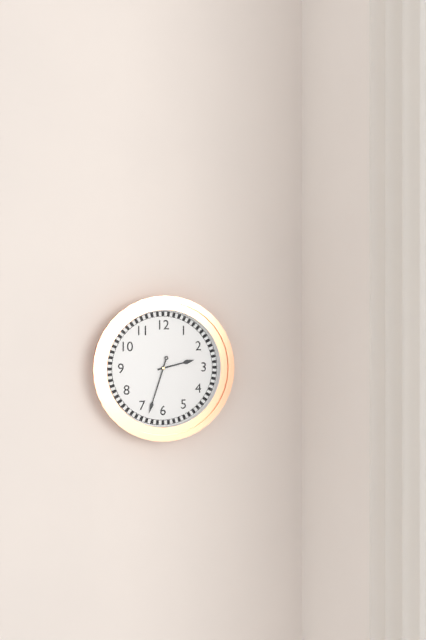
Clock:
2:33
